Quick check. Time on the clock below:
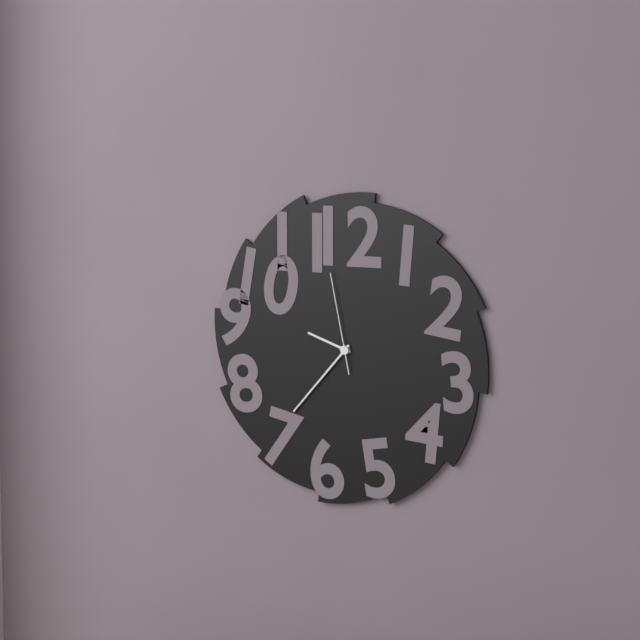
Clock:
9:37:58
